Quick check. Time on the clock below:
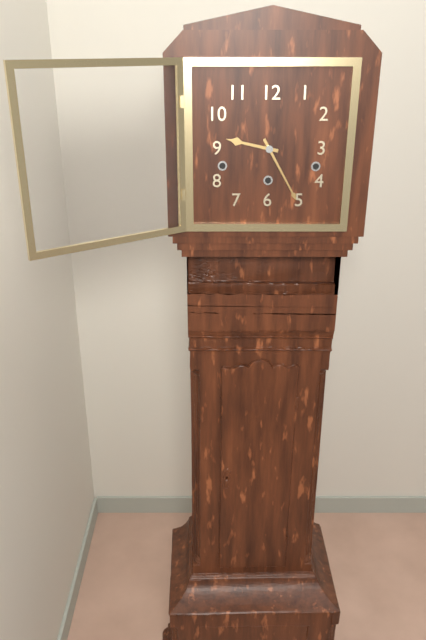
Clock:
9:25
